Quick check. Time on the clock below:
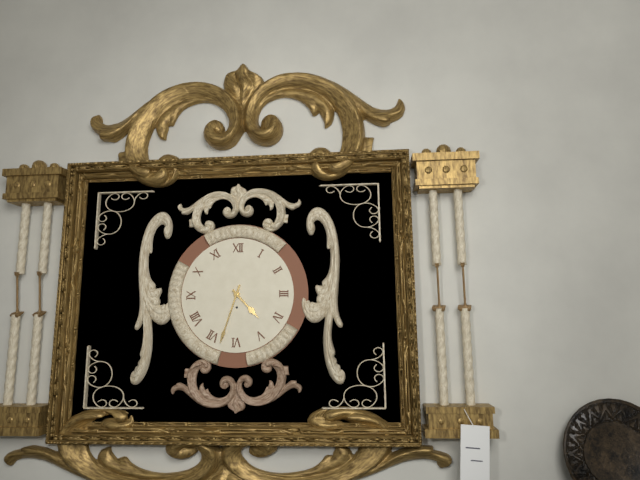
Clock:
4:33
